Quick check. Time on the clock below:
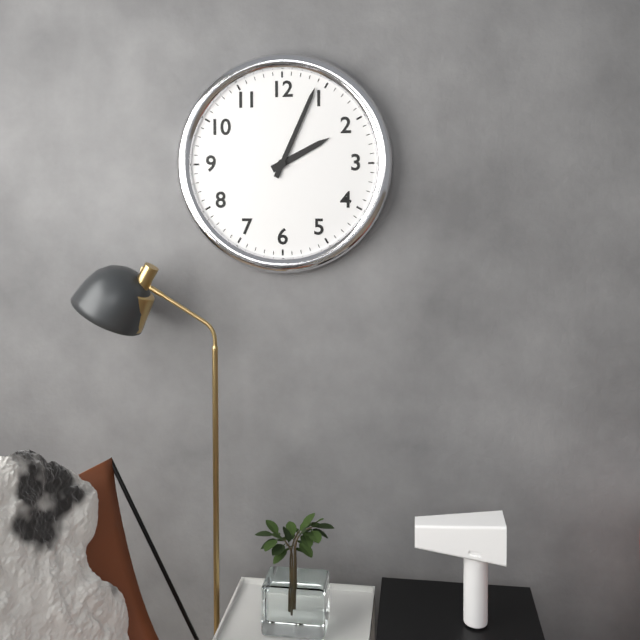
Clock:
2:04
